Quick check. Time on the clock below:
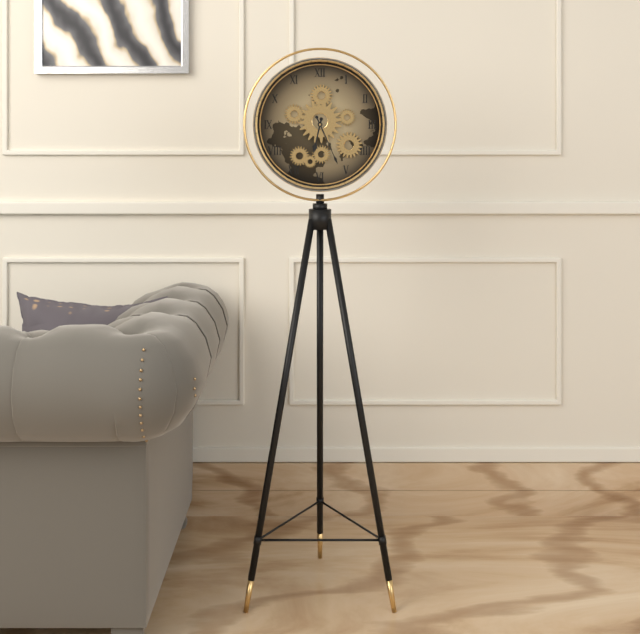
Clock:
6:26
